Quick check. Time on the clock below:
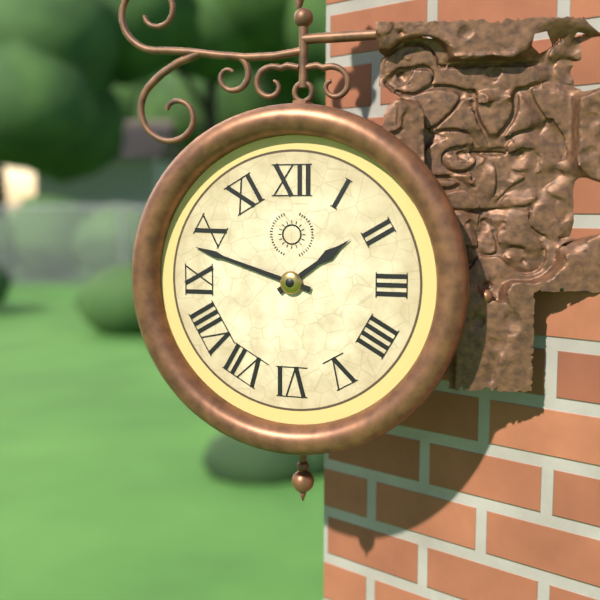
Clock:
1:48
